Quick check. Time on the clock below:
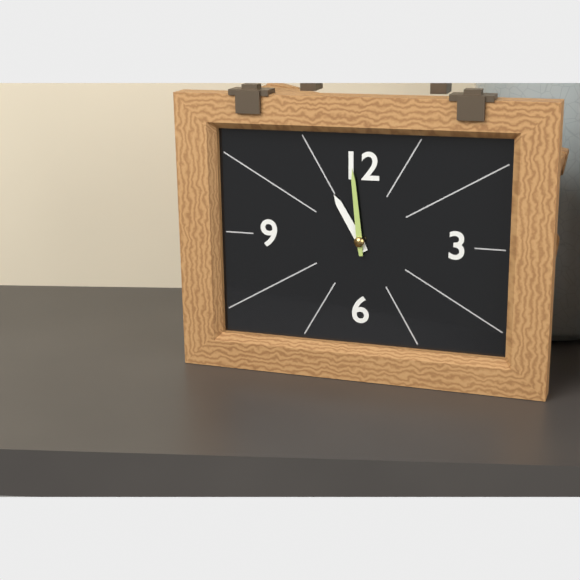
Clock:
10:59
